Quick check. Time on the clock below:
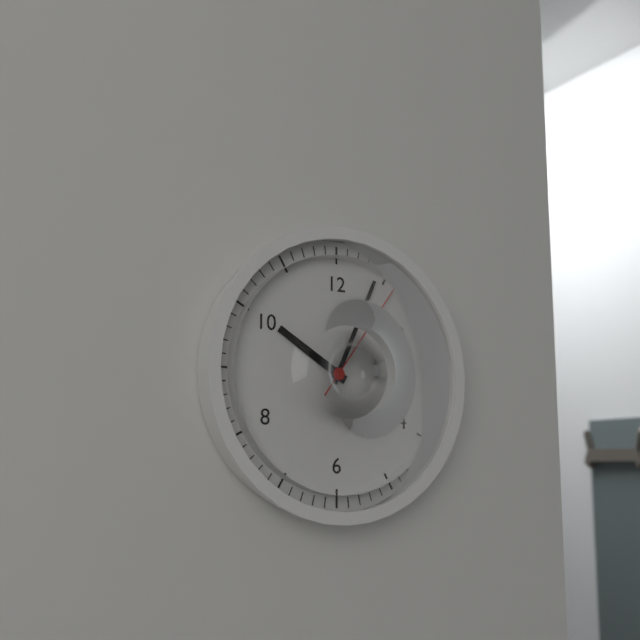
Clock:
10:04:06
